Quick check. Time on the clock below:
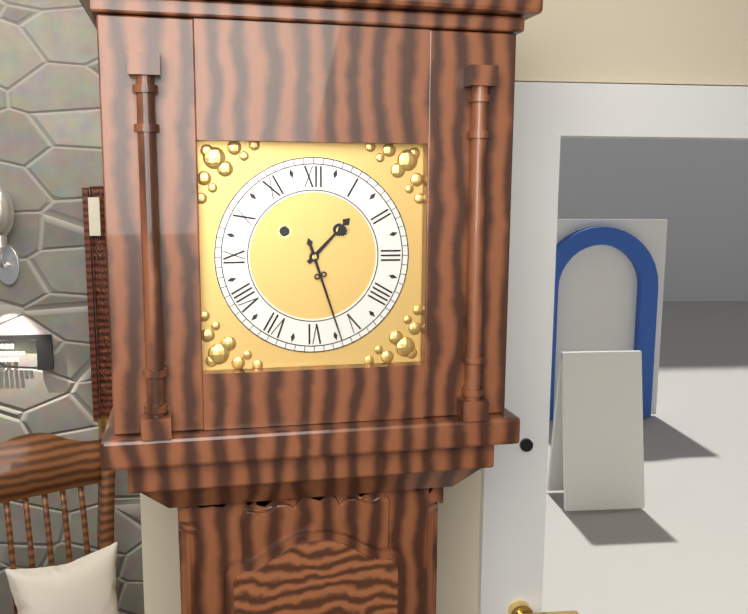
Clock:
1:27
